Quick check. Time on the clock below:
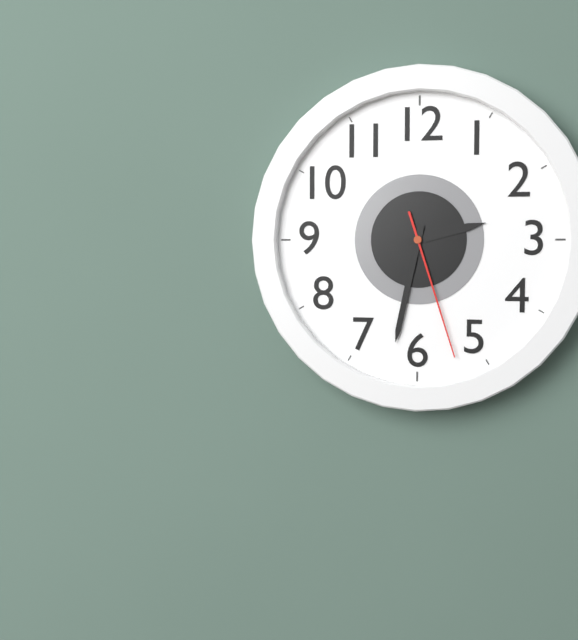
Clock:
2:32:27
